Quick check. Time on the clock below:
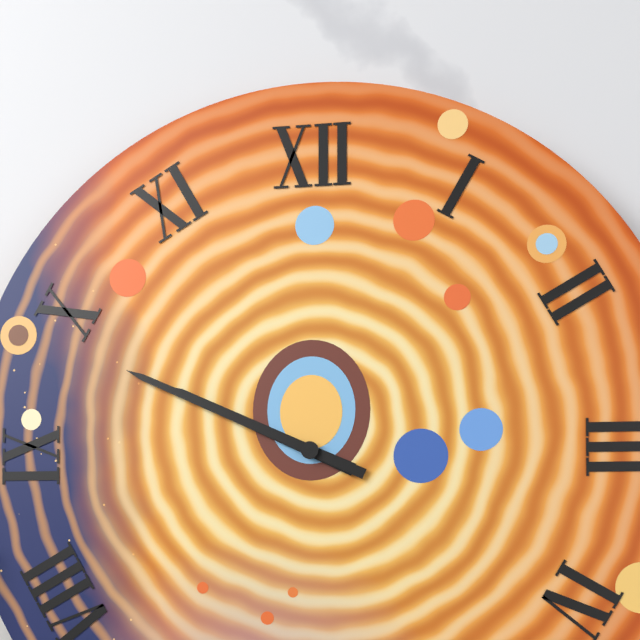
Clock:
9:49
